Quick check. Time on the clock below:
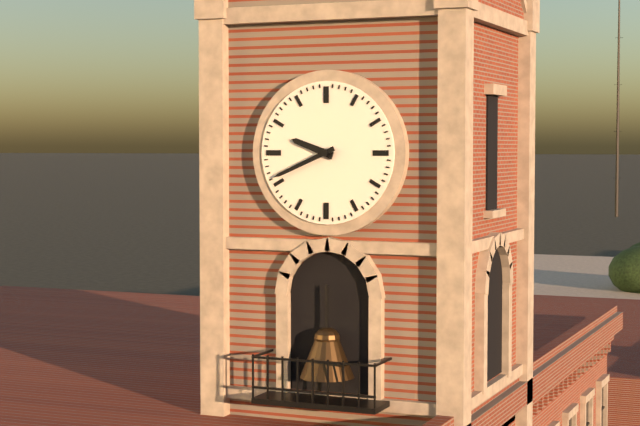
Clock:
9:41
